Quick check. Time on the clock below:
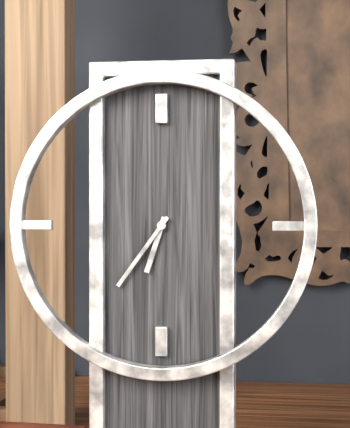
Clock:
6:36
